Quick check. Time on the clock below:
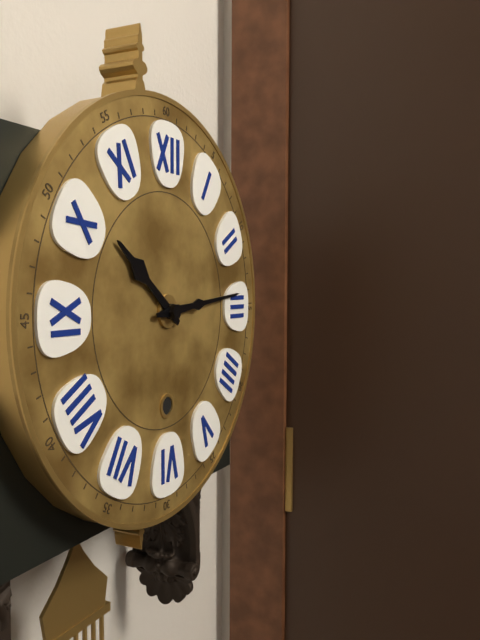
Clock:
10:14
